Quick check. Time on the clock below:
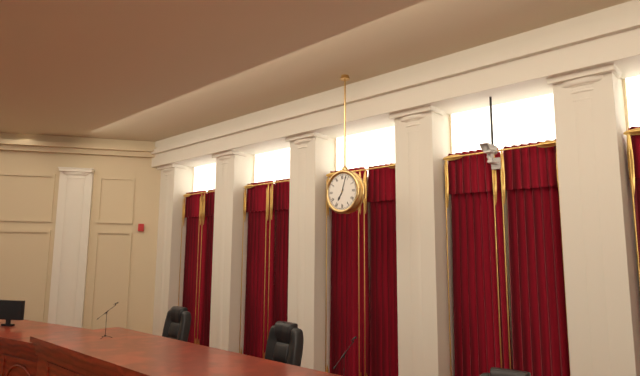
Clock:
7:03
